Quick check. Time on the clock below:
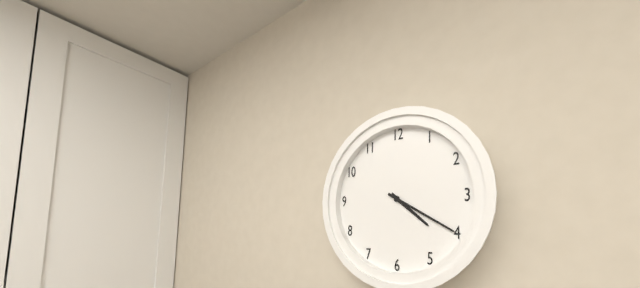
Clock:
4:20
